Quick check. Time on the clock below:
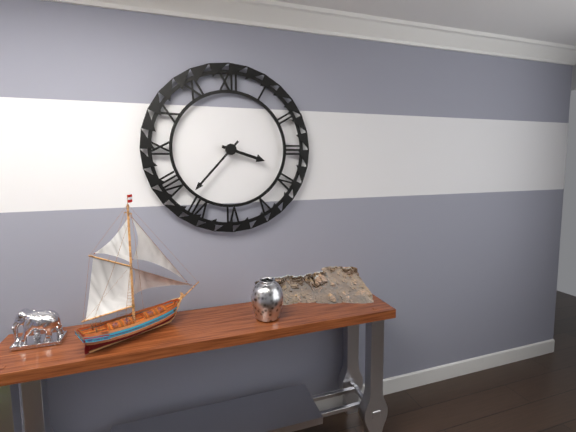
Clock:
3:37
